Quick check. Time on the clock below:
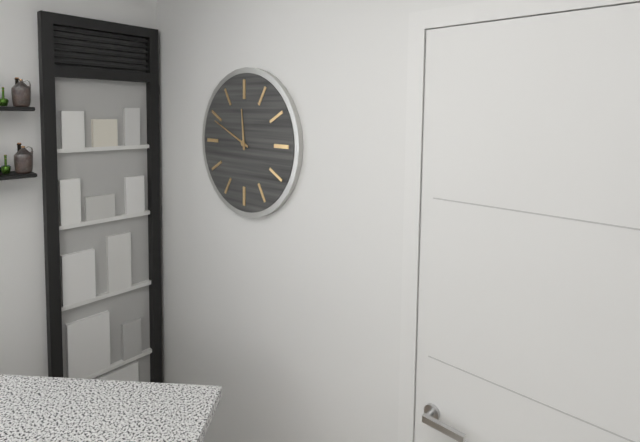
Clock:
11:49
